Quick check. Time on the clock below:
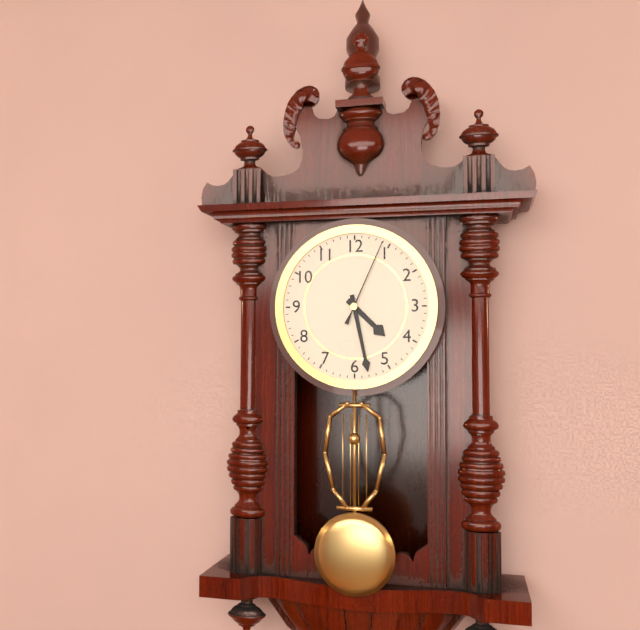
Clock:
4:28:04
